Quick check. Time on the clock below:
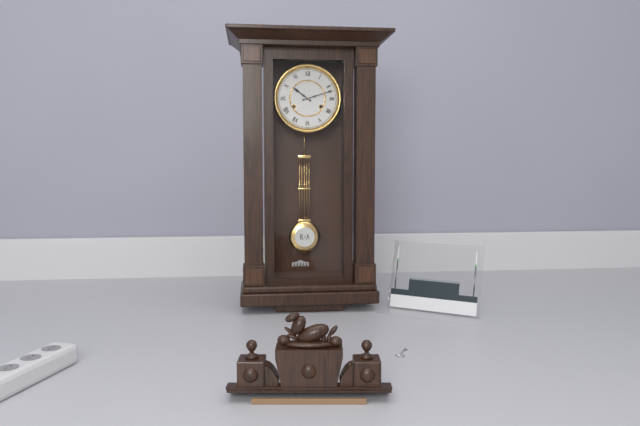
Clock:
10:12
